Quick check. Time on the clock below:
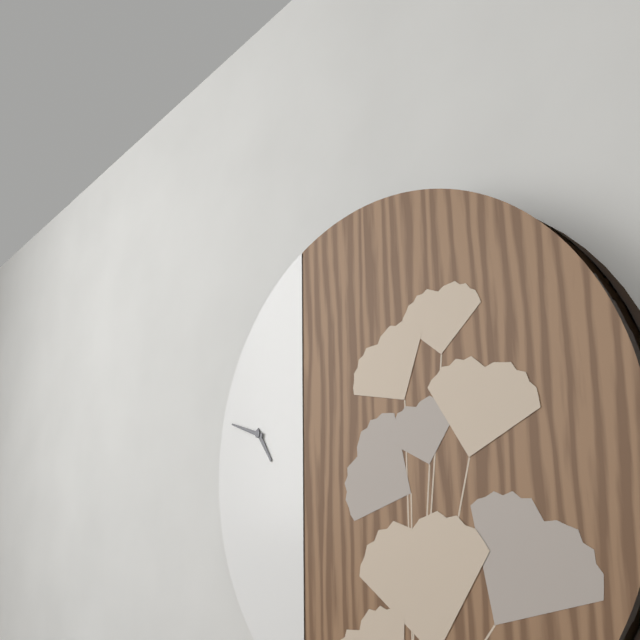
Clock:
4:48
